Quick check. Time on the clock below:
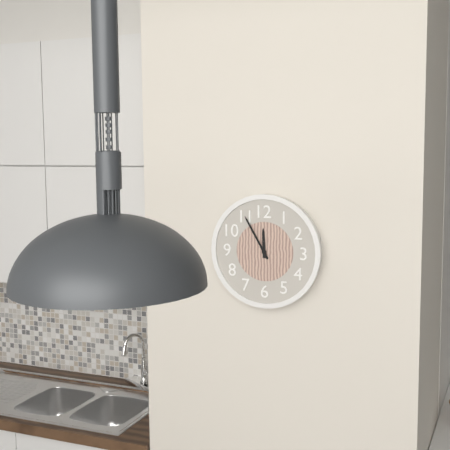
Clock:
11:55
